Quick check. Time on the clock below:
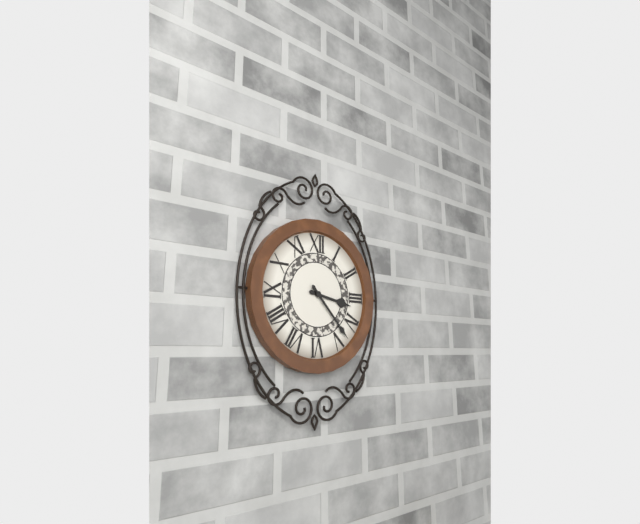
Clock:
3:23
